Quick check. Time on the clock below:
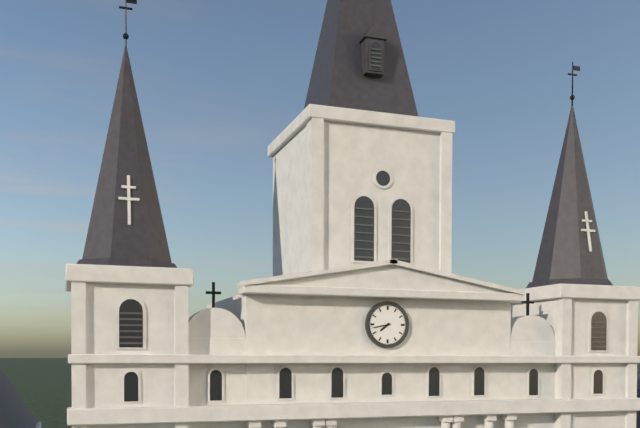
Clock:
7:43
